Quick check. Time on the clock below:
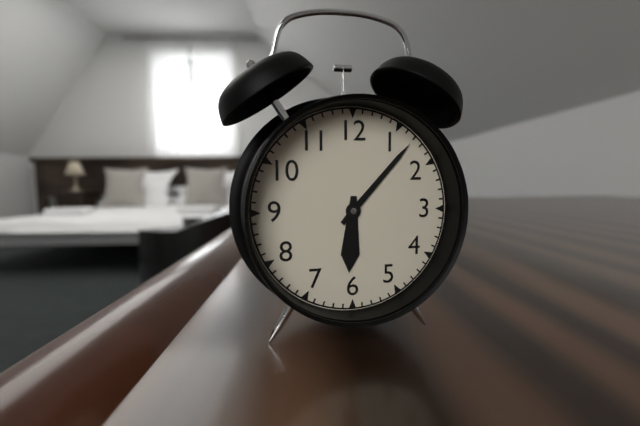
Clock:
6:07
